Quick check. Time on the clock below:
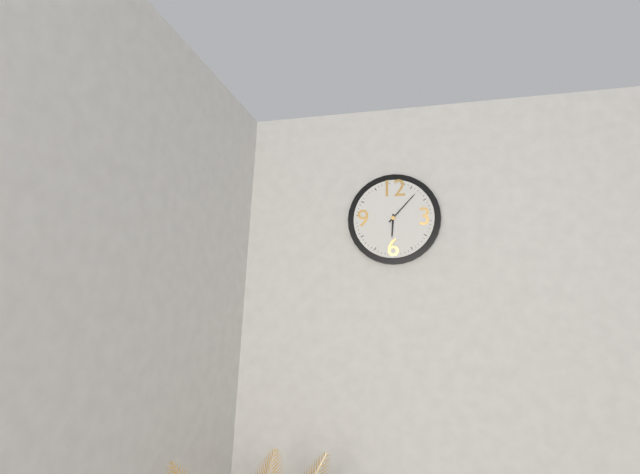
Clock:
6:07
